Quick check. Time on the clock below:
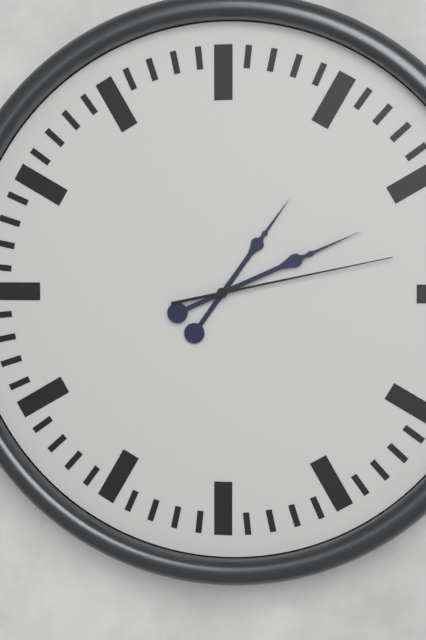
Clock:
1:11:13
